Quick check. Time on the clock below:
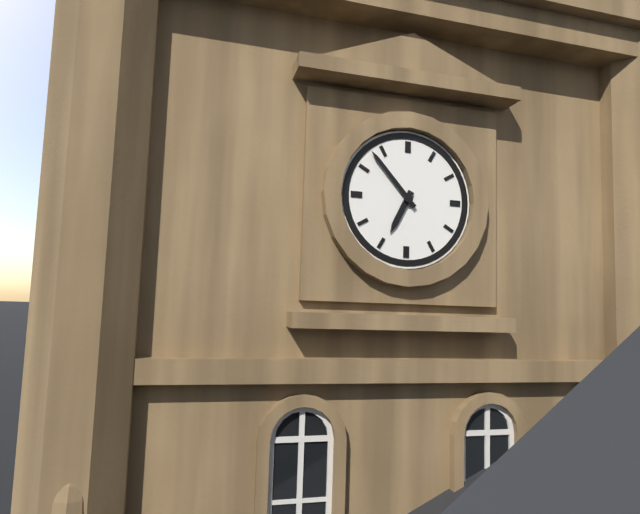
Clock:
6:53
